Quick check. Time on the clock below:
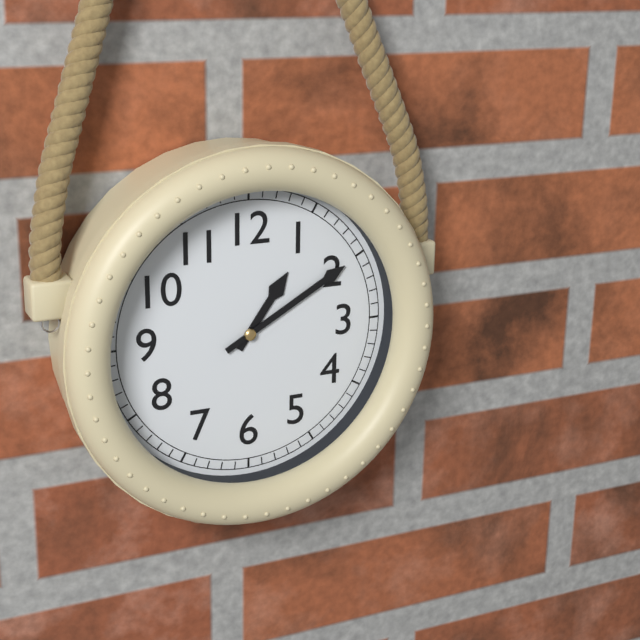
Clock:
1:10
